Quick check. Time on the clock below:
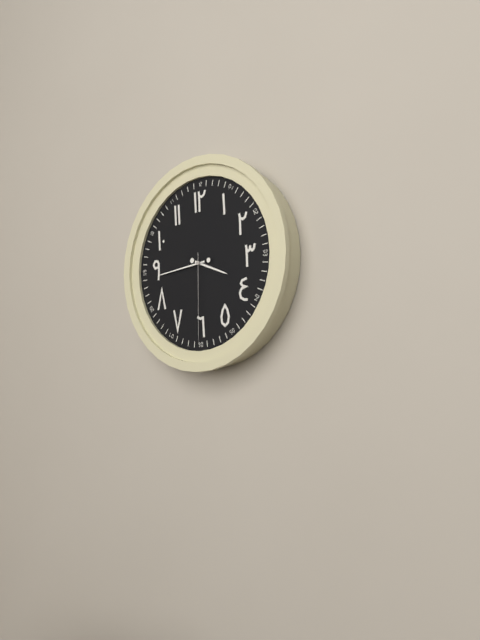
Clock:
3:44:30
